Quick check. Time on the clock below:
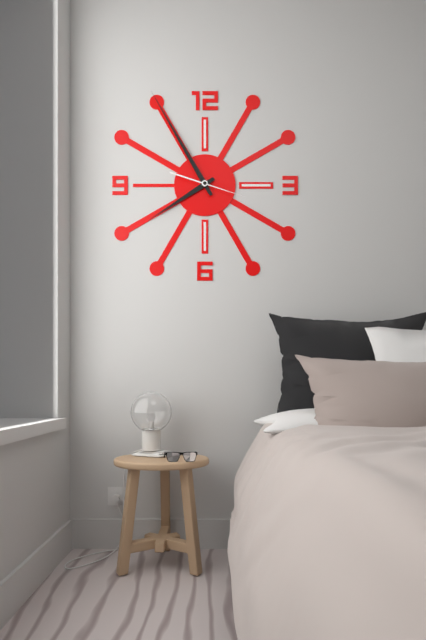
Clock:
7:55:18
